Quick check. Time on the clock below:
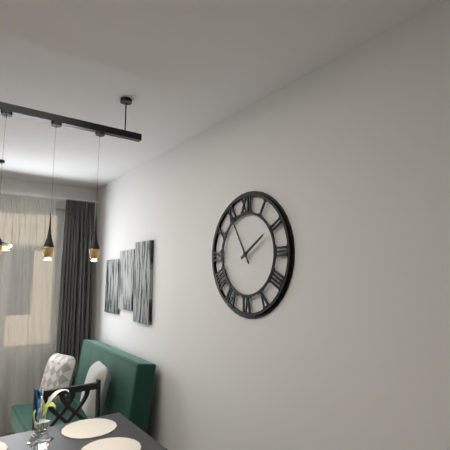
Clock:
1:55
